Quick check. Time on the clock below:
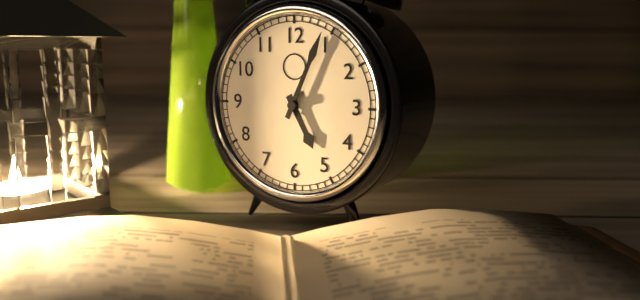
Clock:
5:04
